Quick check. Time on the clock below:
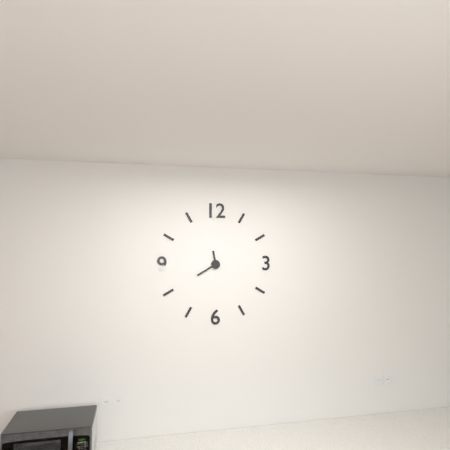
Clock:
11:40
